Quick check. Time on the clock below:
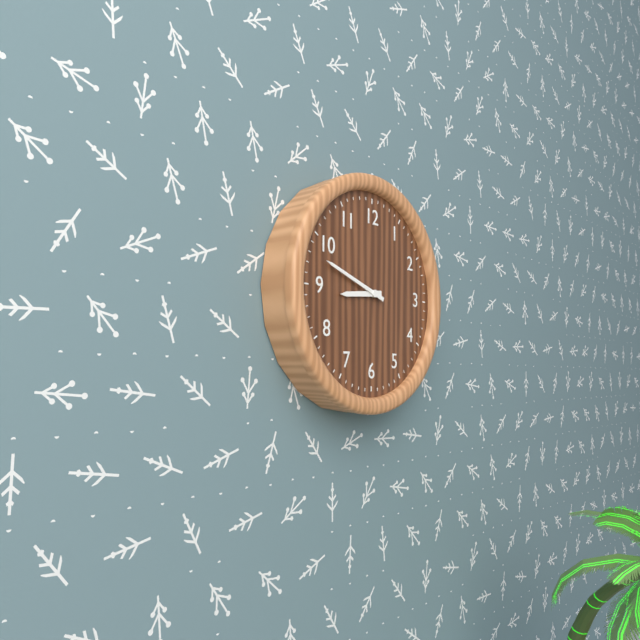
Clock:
8:48
